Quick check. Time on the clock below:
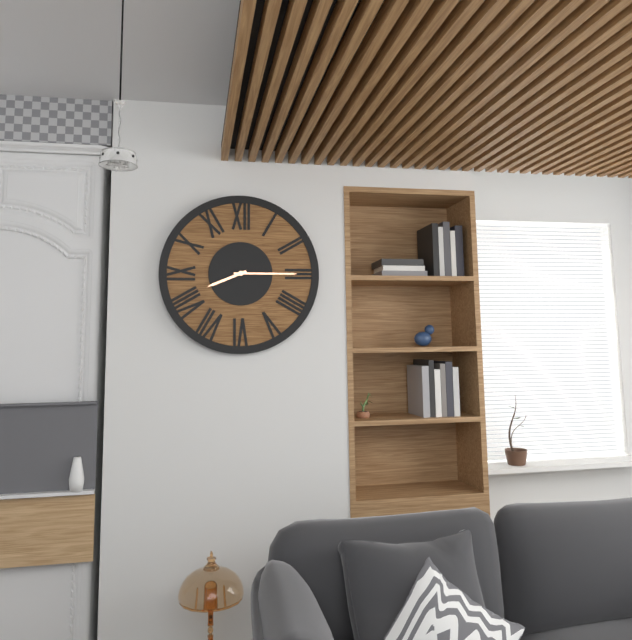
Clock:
8:15
